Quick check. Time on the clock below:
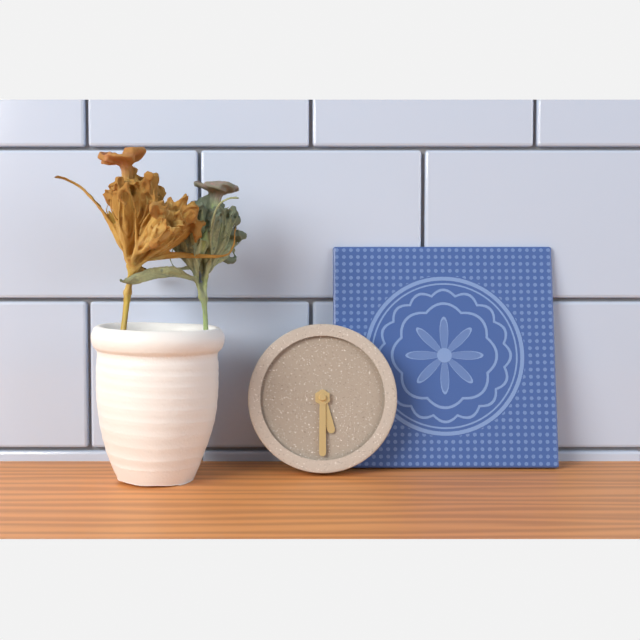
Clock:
5:30
